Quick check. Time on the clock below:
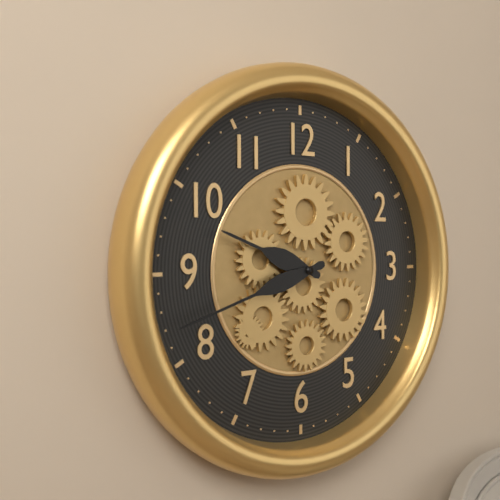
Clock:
9:42
